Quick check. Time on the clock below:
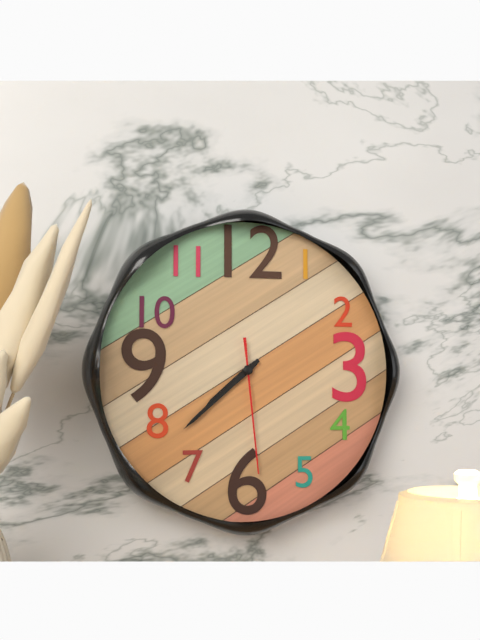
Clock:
7:38:29
